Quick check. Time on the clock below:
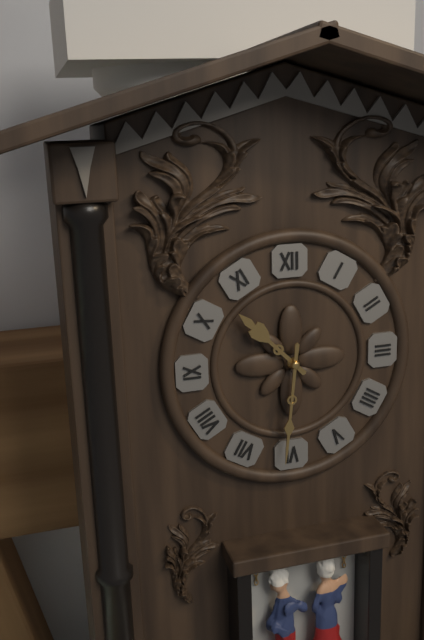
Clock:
10:31
